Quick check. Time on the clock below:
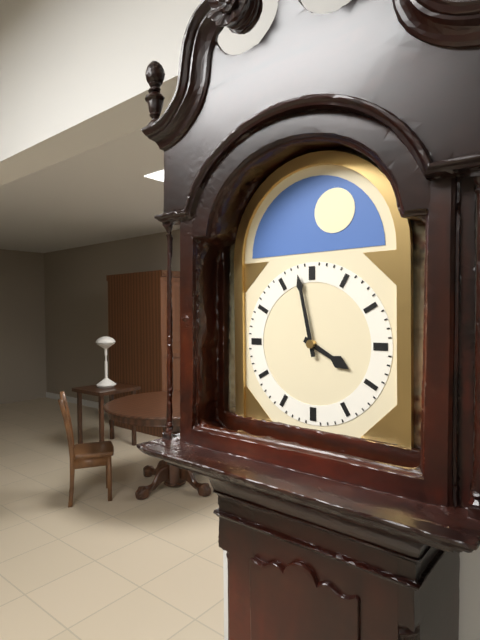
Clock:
3:58
